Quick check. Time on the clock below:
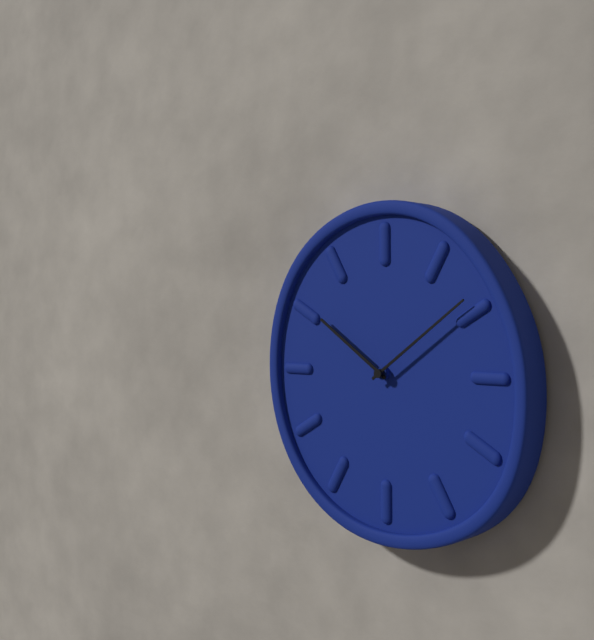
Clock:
10:09
